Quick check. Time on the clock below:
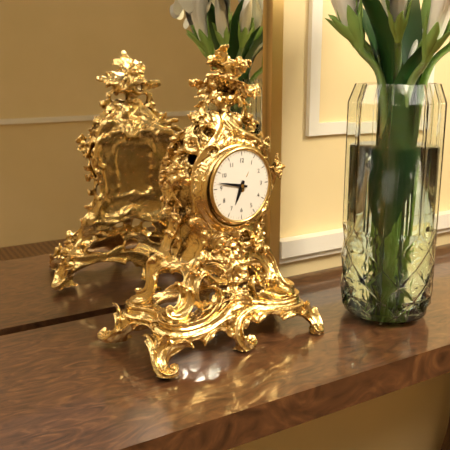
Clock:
6:47
